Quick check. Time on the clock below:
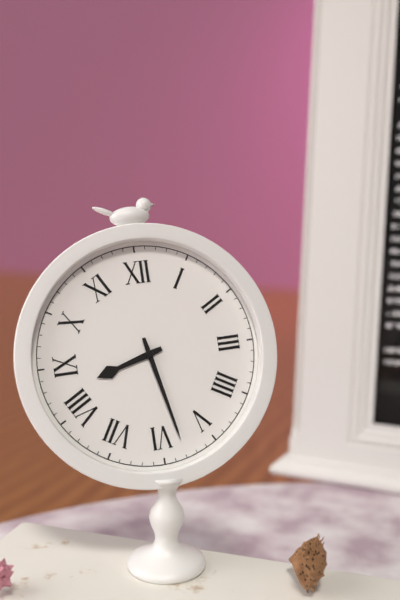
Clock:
8:28
